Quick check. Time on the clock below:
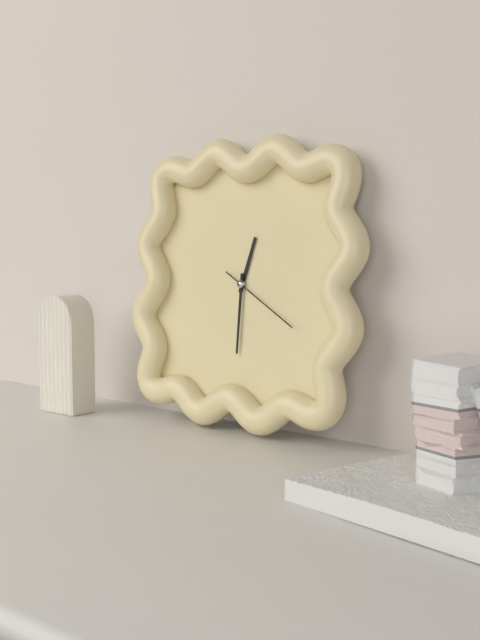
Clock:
12:30:20
